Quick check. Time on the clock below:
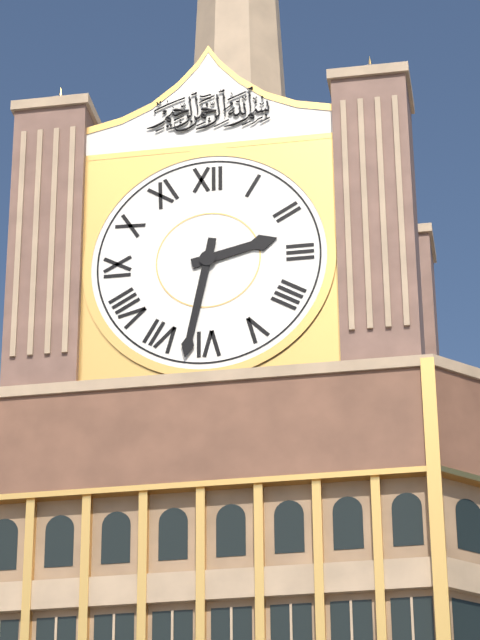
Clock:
2:32
